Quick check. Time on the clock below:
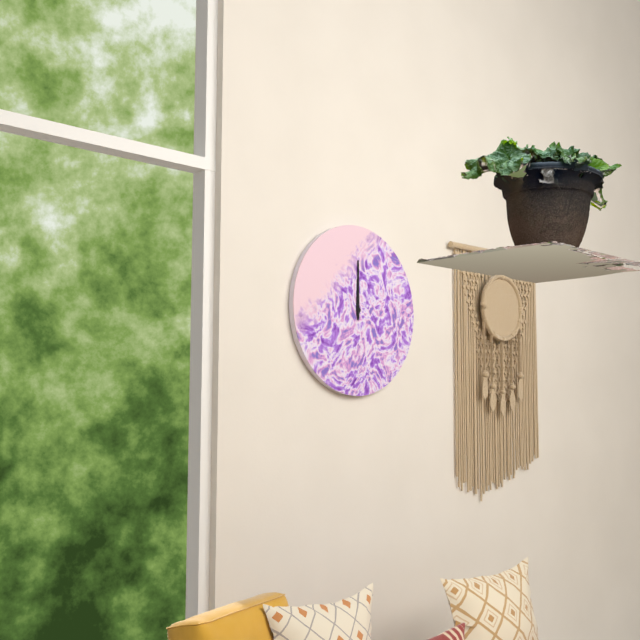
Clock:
12:00
